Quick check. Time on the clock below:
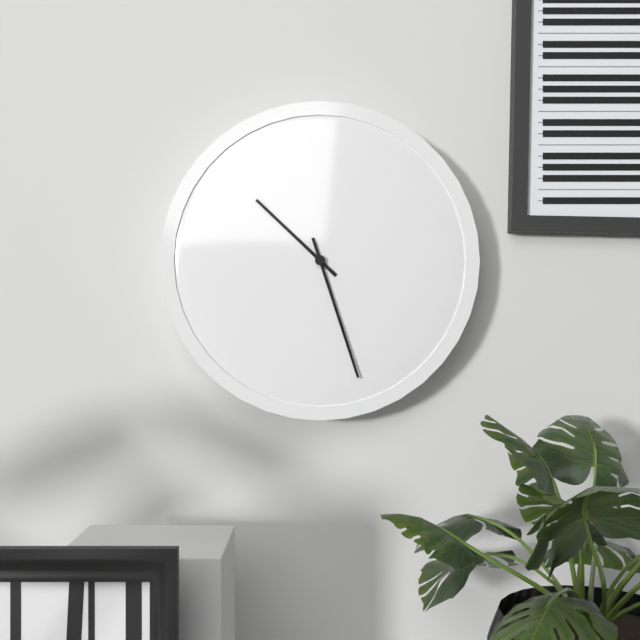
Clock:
10:27
